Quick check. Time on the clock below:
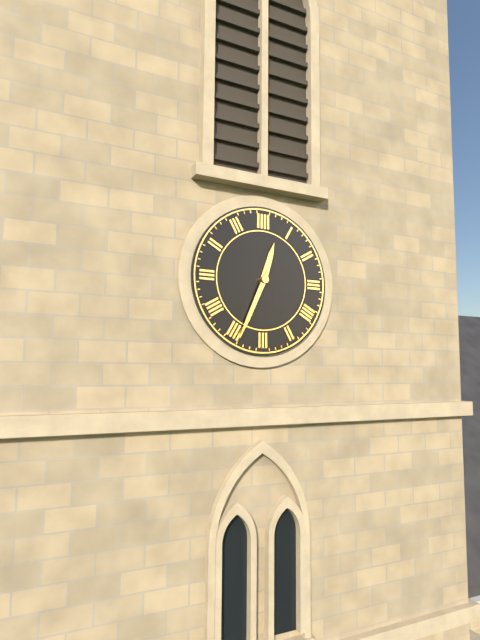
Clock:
12:34
